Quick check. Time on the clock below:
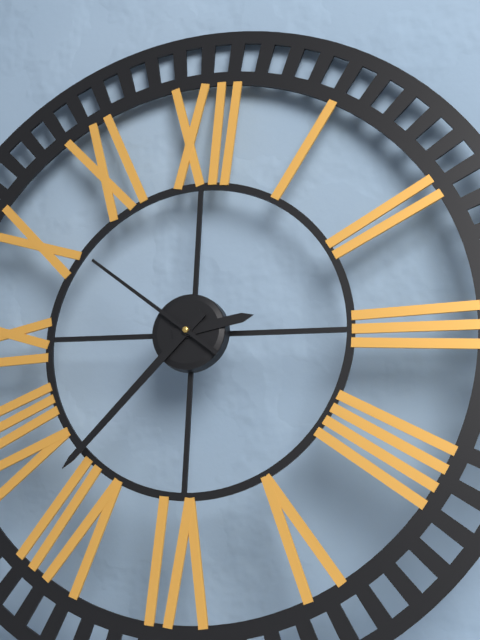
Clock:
2:37:51
